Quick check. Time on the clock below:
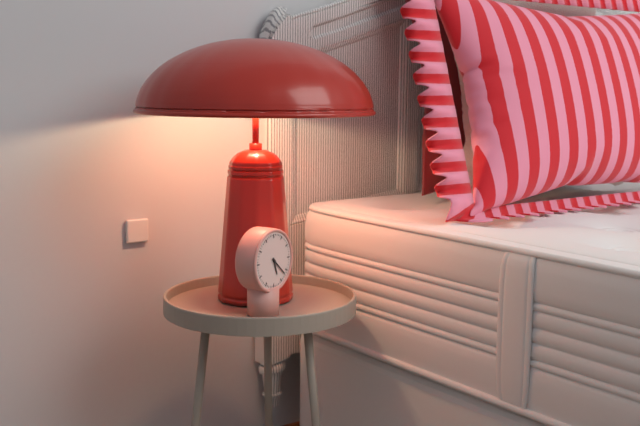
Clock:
5:22
